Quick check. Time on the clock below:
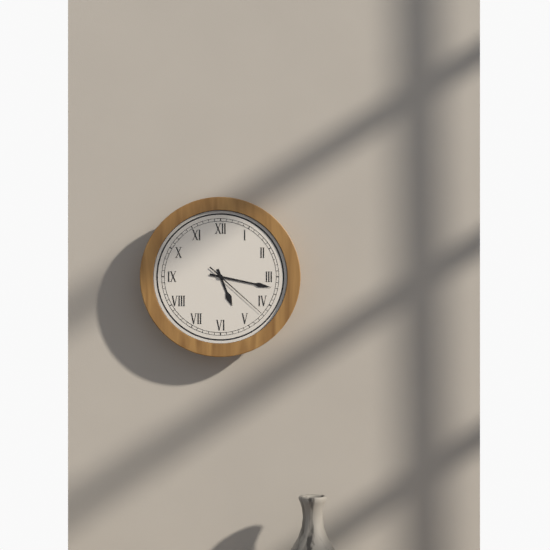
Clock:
5:17:22
